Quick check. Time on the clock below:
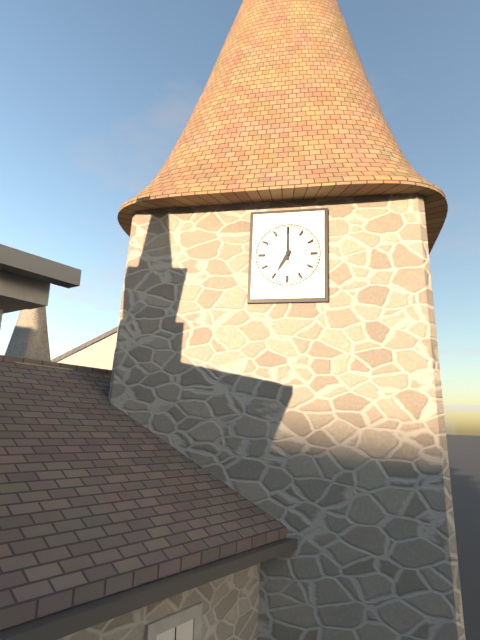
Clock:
7:00
